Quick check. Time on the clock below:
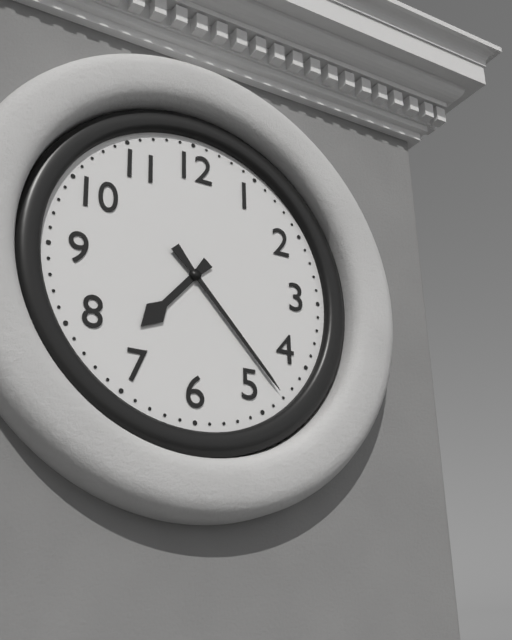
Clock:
7:23
